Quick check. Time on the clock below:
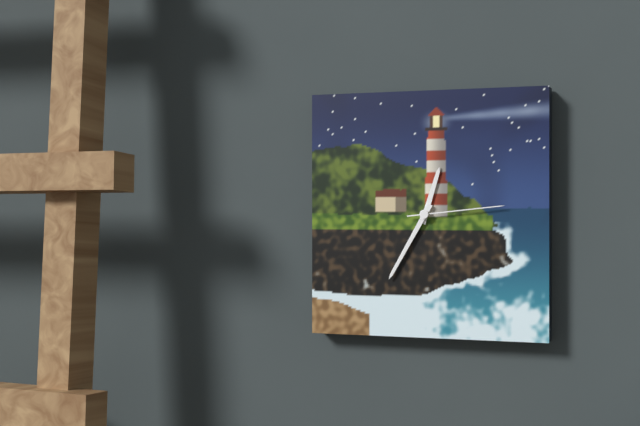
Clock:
12:35:14
